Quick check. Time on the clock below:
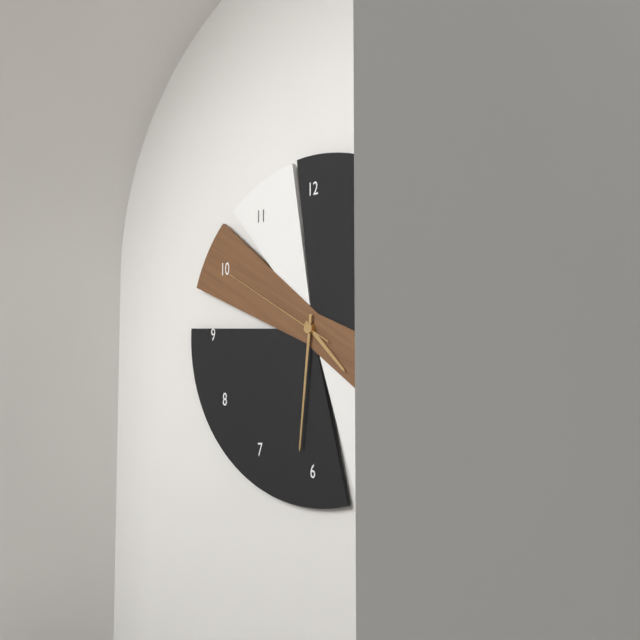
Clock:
4:31:50
